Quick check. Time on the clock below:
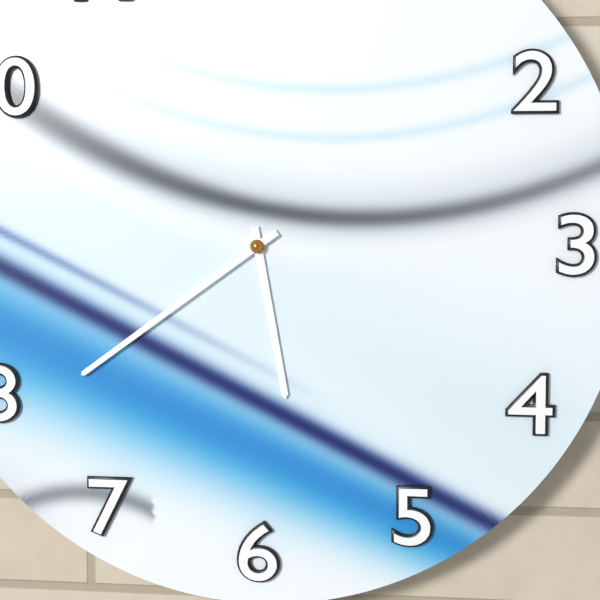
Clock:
5:39
